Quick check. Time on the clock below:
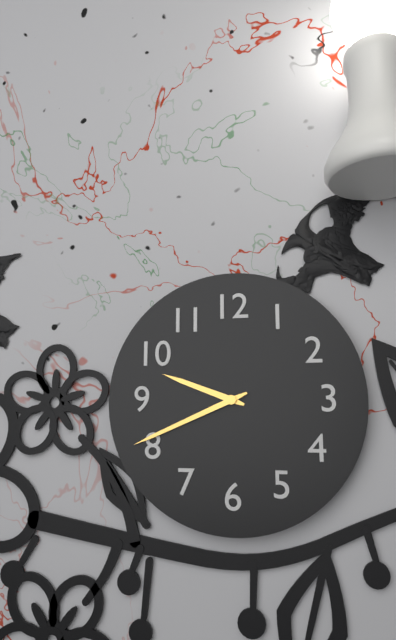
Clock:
9:41
